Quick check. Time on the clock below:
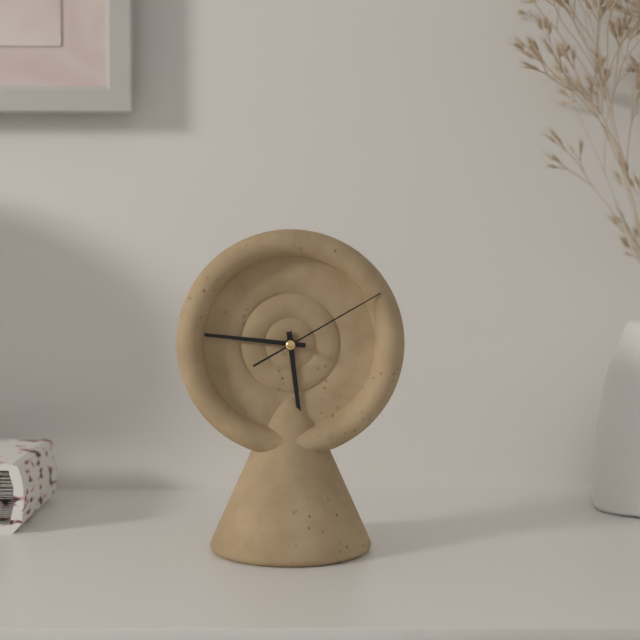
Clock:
5:46:10
